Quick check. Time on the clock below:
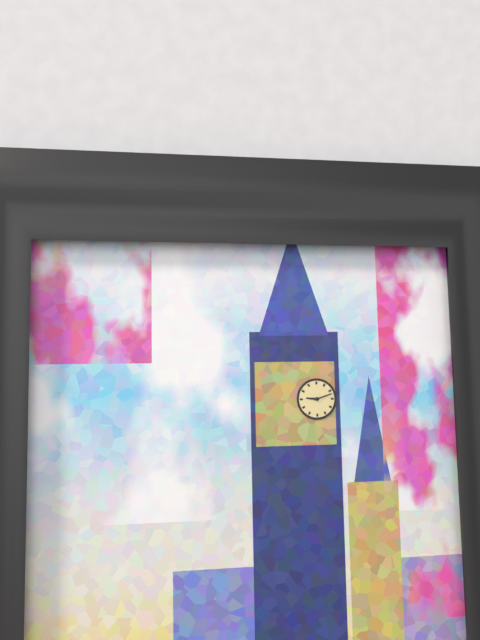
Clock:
9:12
